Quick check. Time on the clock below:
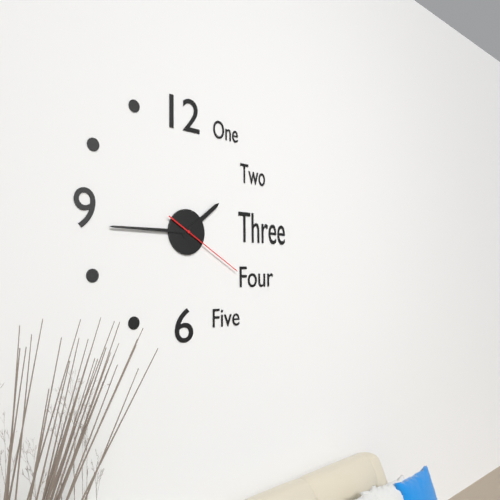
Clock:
1:45:20
